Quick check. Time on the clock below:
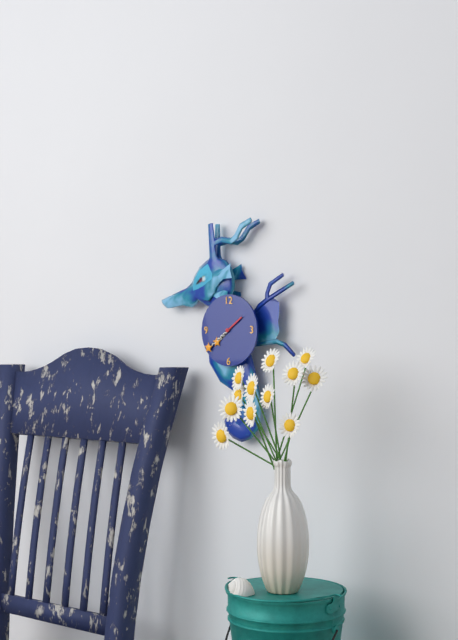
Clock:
7:39
